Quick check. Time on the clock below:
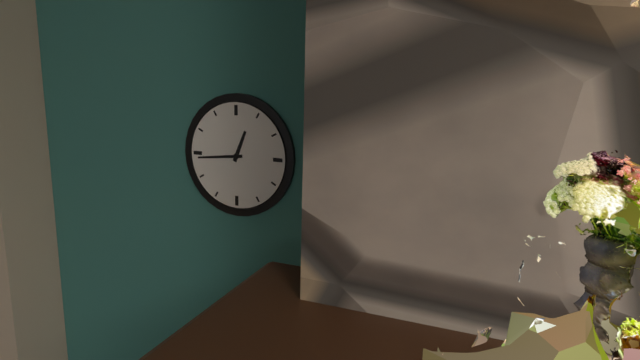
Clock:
12:44
